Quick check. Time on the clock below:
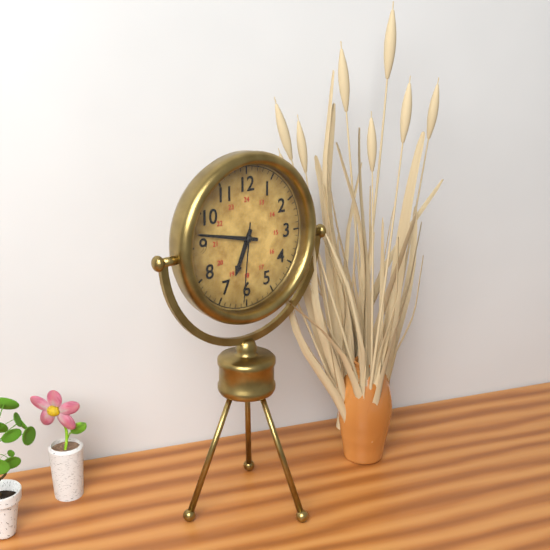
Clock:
6:47:31
